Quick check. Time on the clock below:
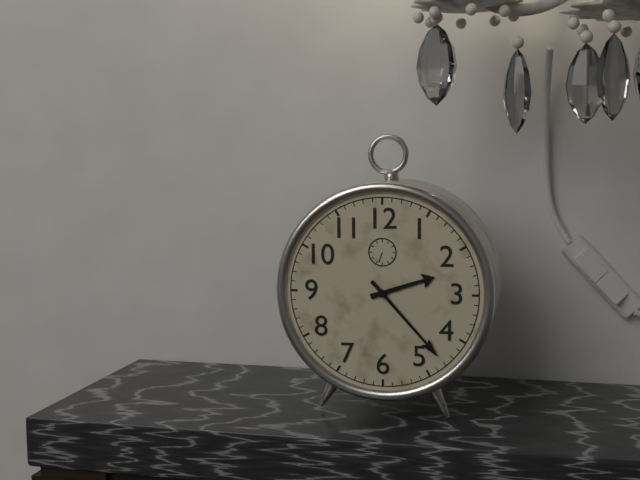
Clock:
2:23
